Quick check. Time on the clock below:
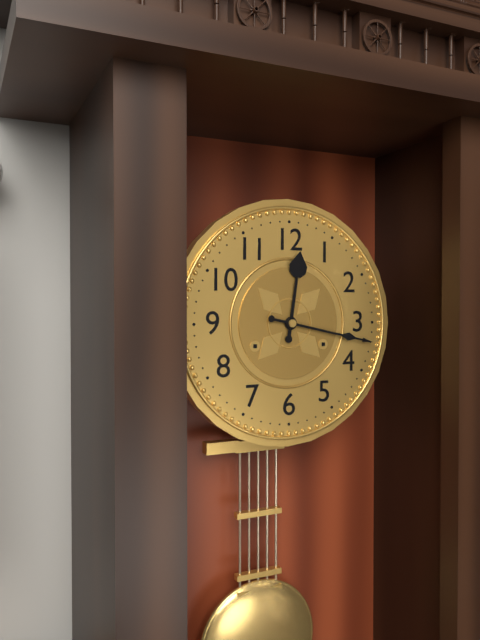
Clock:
12:17
